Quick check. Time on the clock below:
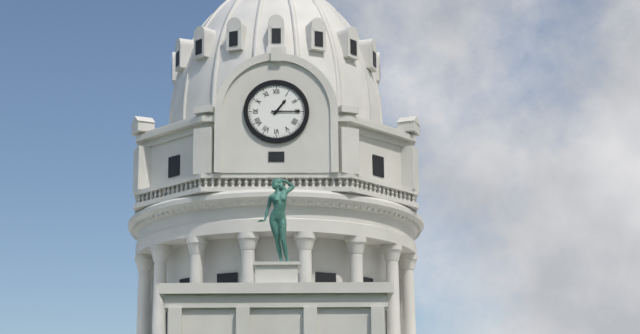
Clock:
1:15
